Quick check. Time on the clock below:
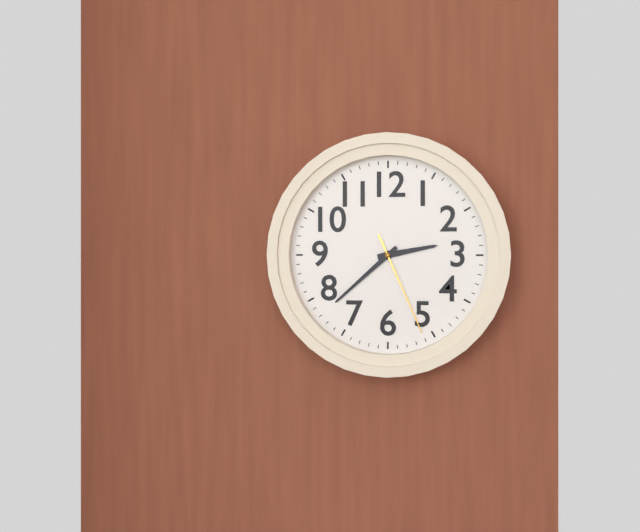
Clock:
2:38:26
